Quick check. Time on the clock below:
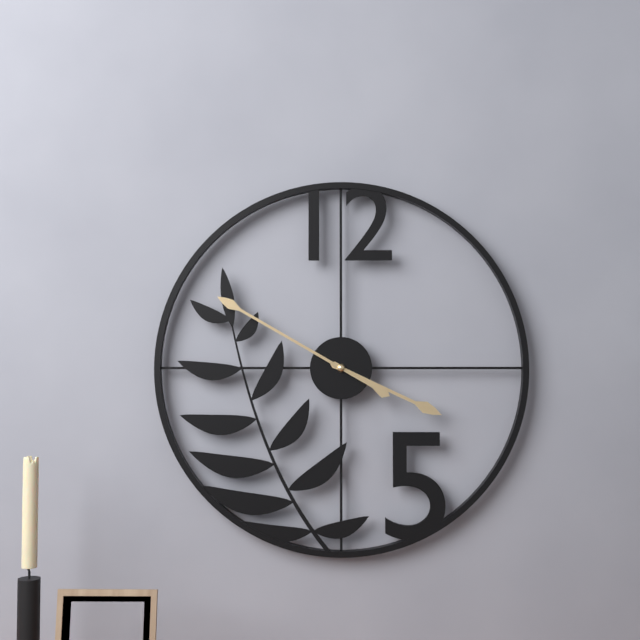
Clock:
3:50
